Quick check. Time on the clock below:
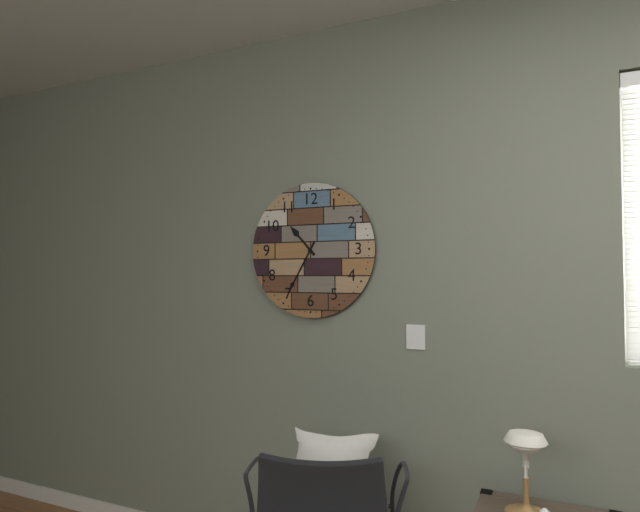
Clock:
10:35
